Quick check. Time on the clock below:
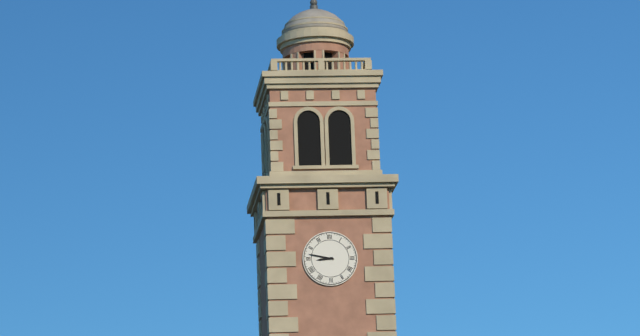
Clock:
8:47
